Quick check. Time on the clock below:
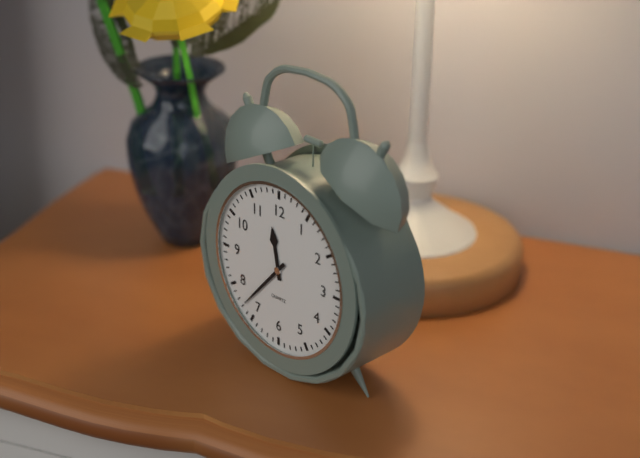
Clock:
11:37
